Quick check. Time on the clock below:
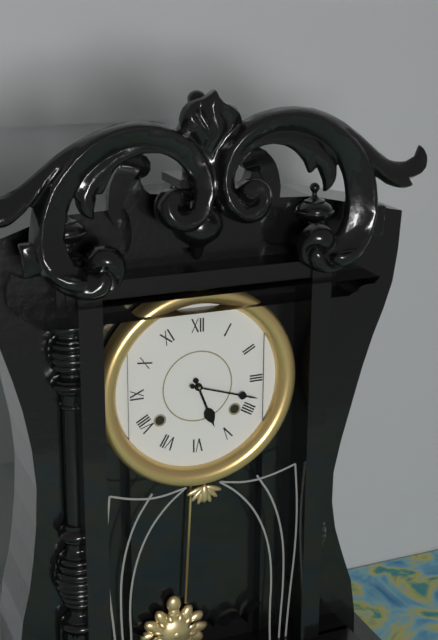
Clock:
5:18
